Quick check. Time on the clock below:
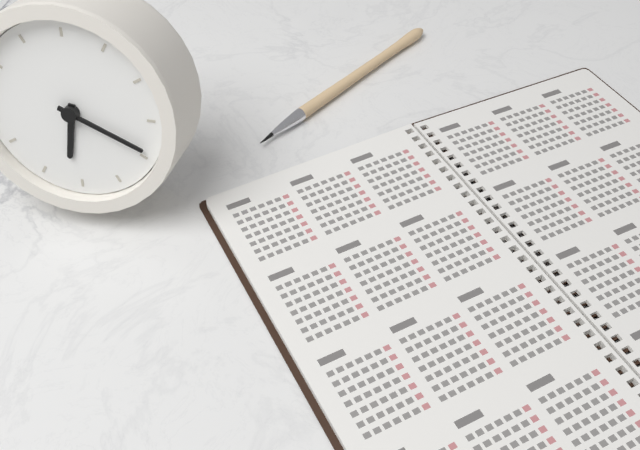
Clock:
6:19
